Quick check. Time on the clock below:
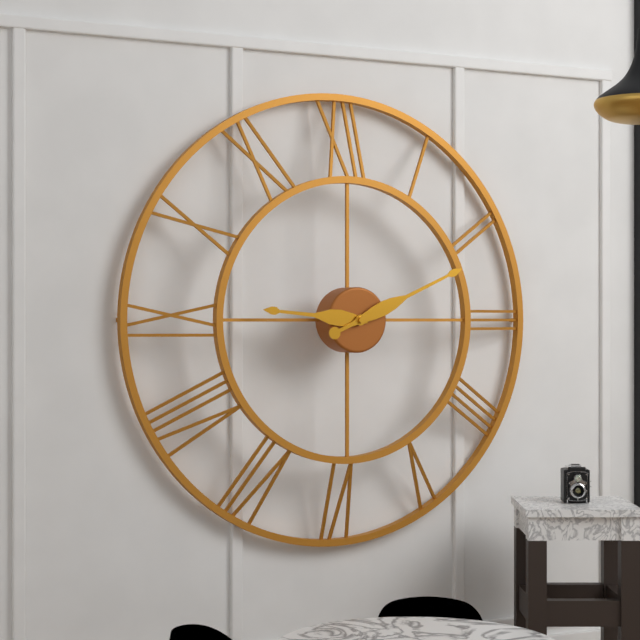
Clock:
9:11
